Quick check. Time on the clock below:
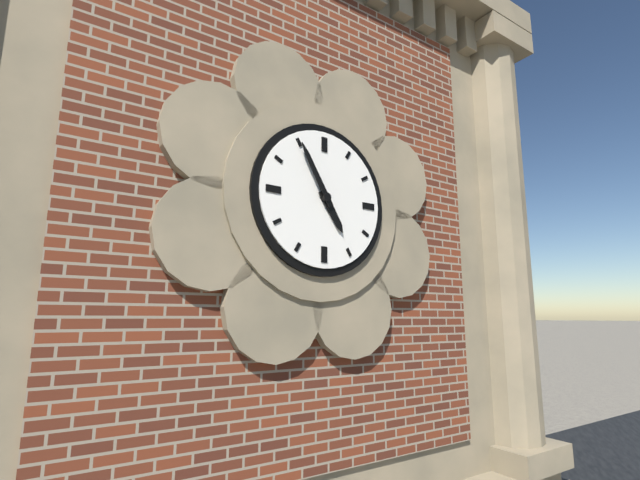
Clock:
4:55
